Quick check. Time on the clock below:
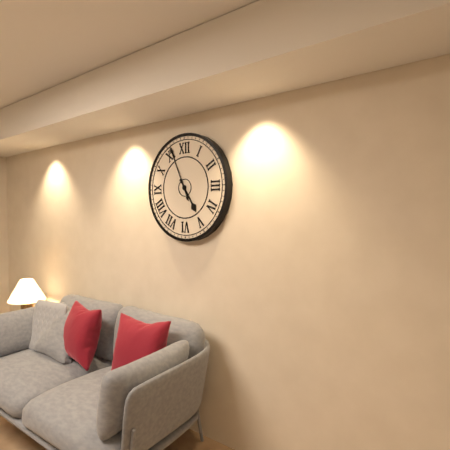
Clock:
4:56
